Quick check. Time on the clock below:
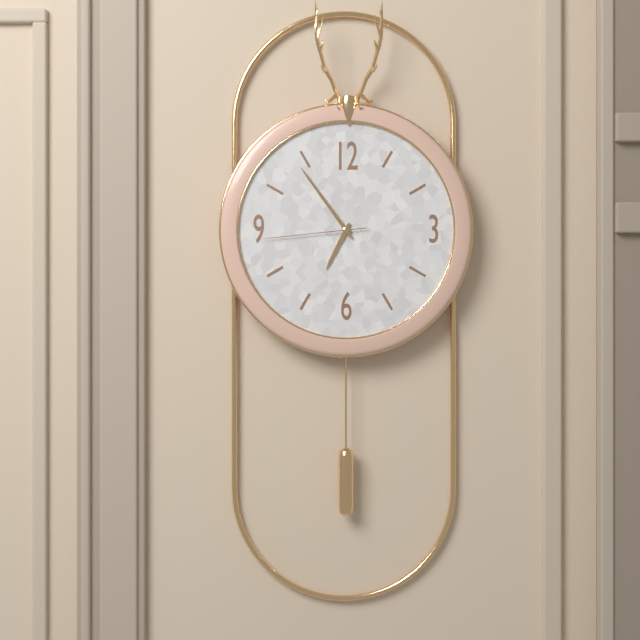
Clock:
6:54:44
